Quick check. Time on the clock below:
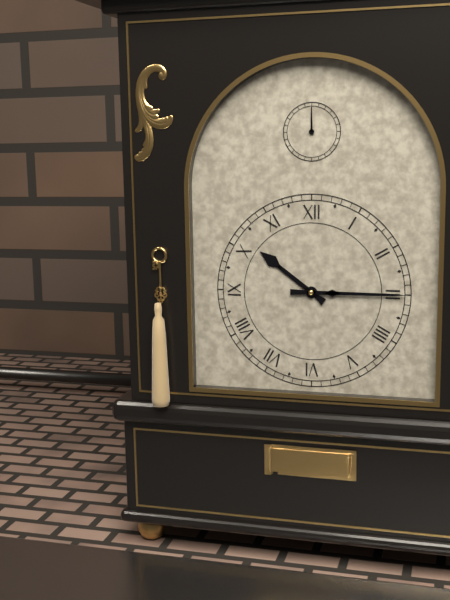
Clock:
10:15
